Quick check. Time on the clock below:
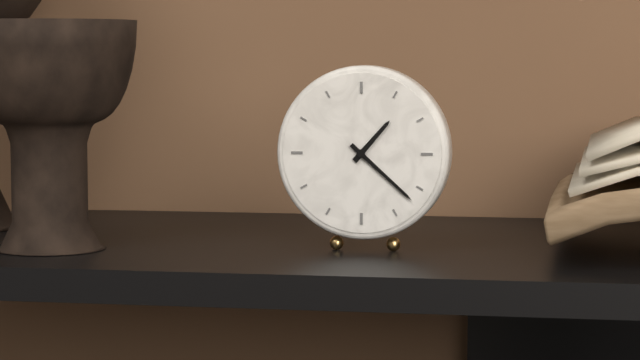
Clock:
1:22
